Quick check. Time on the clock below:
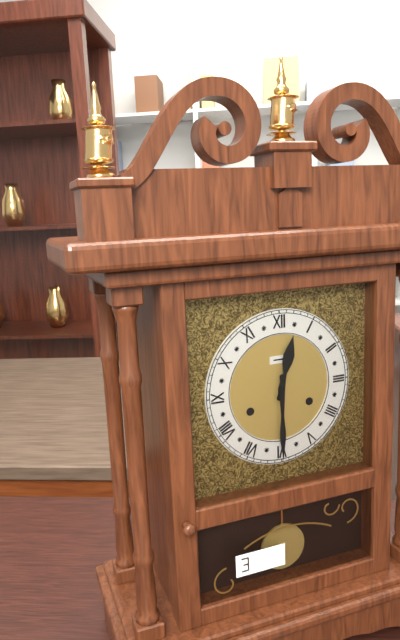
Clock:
12:30
